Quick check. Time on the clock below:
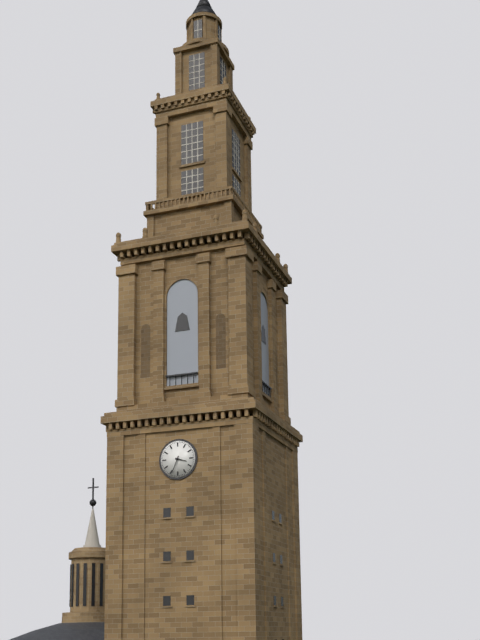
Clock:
3:34
